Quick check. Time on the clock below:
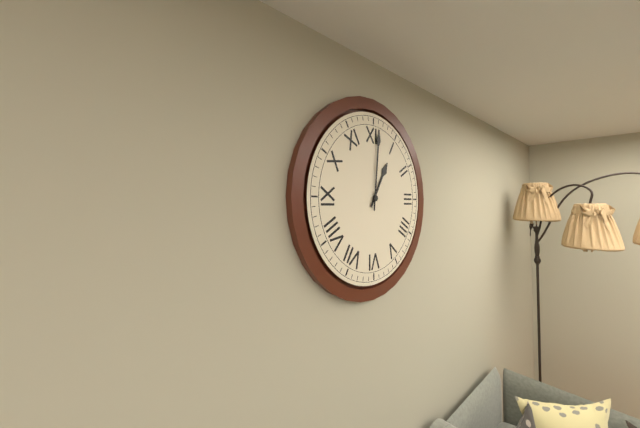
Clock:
1:01
